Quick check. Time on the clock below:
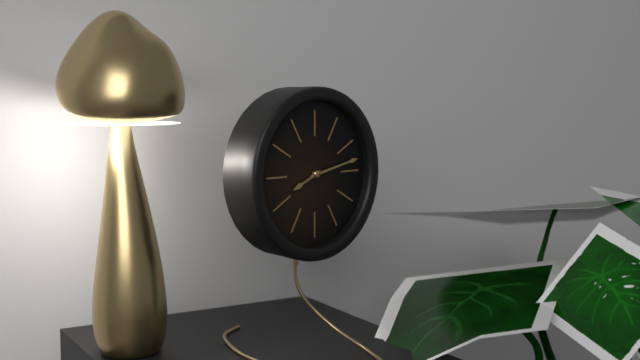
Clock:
8:13
